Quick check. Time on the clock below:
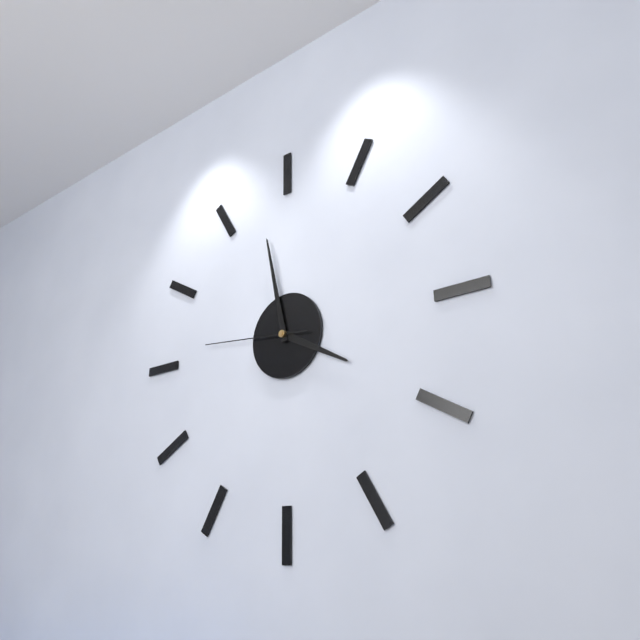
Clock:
3:58:46
